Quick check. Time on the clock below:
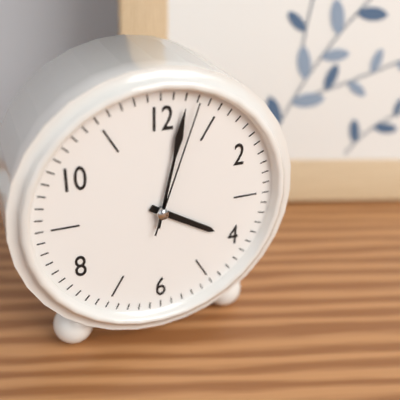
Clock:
4:02:03
